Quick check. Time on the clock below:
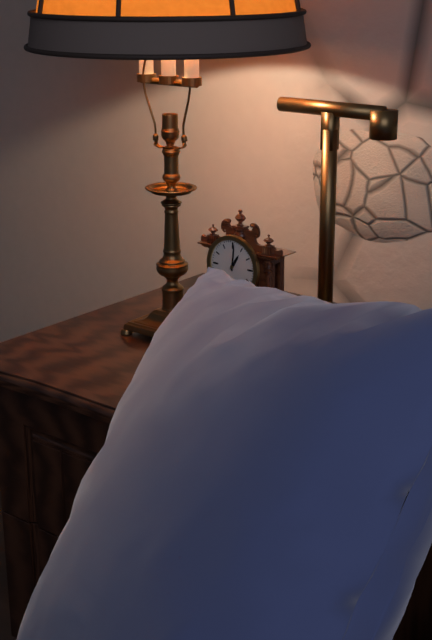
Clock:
1:01
